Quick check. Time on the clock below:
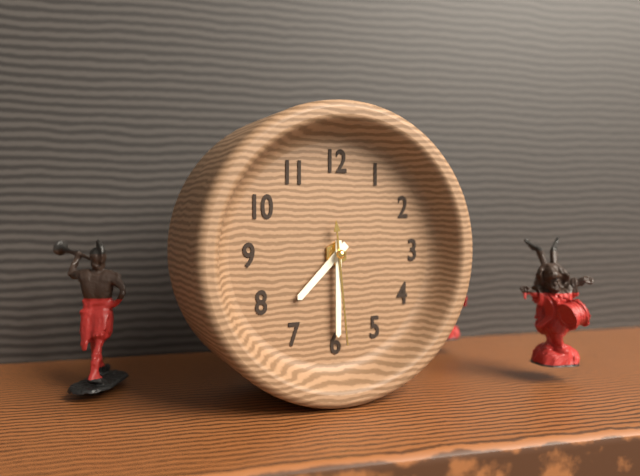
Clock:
7:30:29
